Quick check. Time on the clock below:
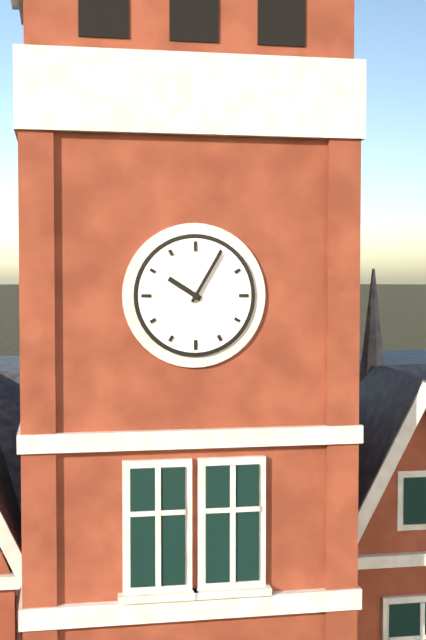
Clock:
10:05
